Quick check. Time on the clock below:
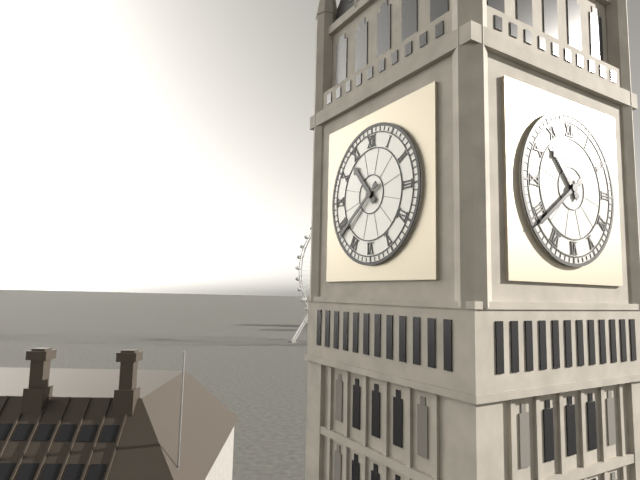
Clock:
10:39
